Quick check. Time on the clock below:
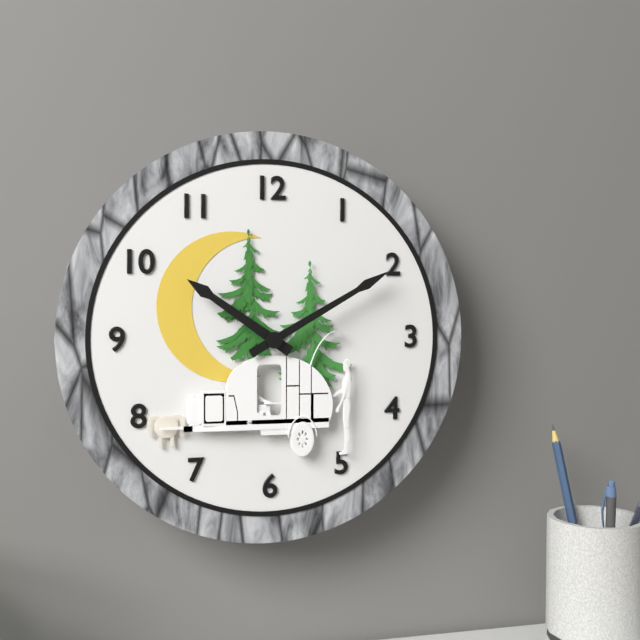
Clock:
10:10
